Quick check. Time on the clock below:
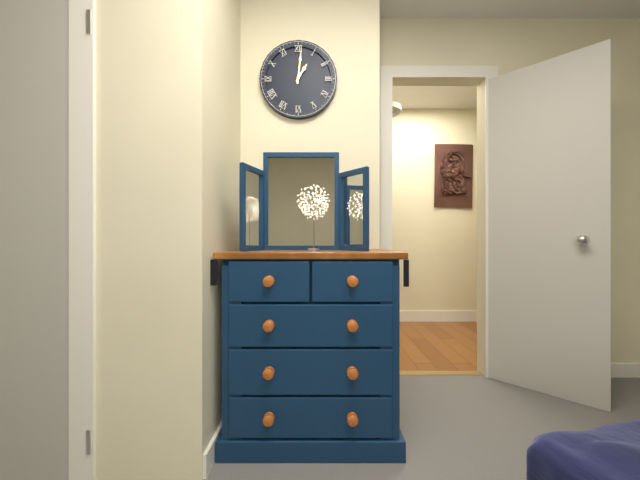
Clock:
1:01
